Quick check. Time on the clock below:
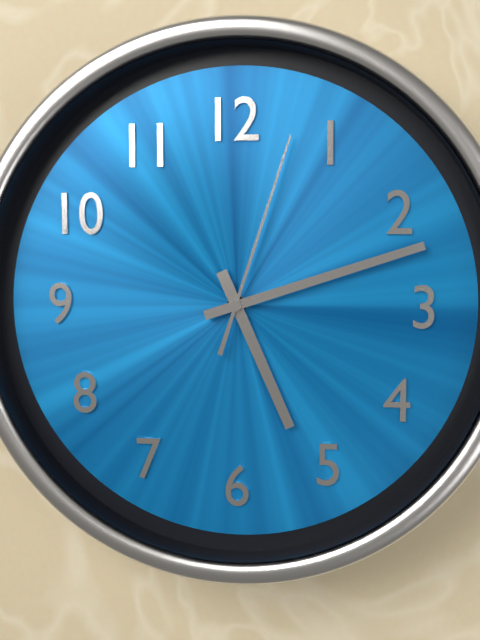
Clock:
5:12:03
